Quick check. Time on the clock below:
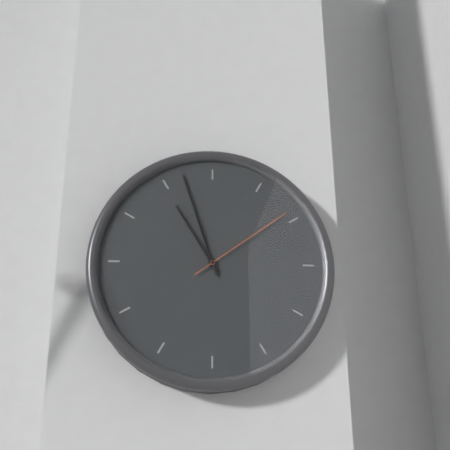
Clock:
10:57:09
